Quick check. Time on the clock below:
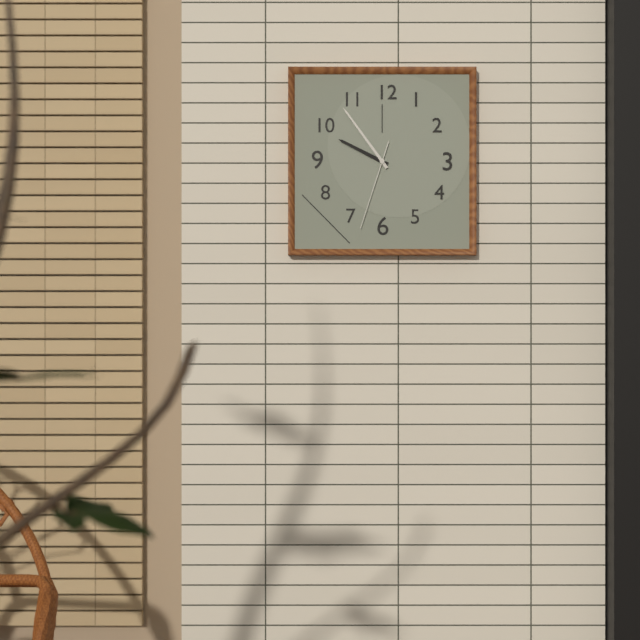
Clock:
9:54:33
